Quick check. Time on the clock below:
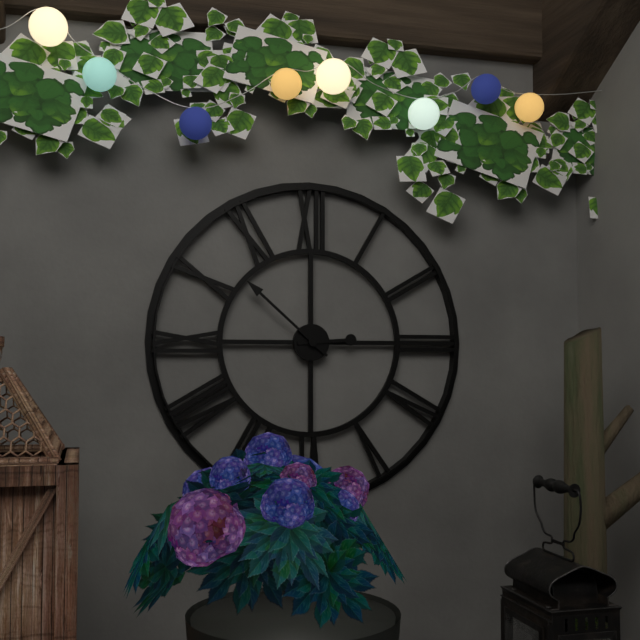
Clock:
2:52
